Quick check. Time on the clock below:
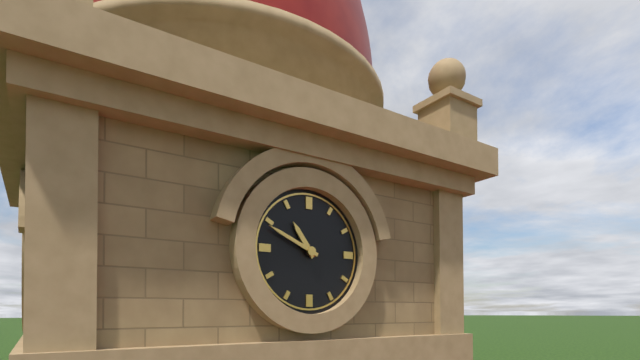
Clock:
10:49
